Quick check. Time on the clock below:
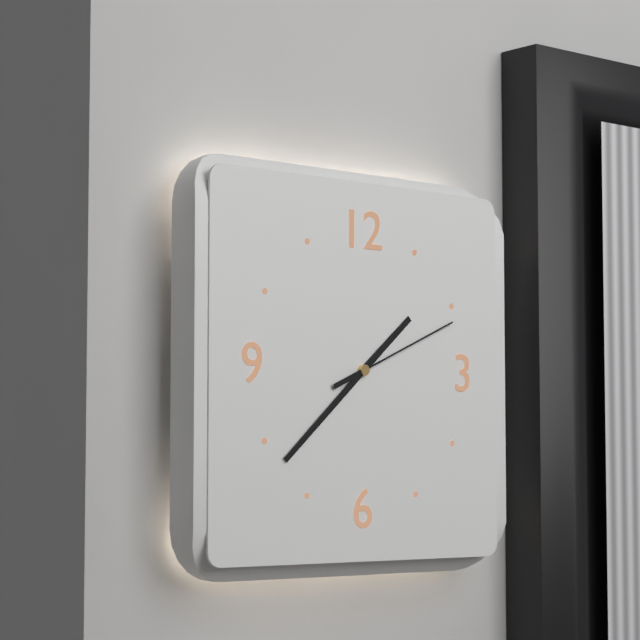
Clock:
1:38:11
